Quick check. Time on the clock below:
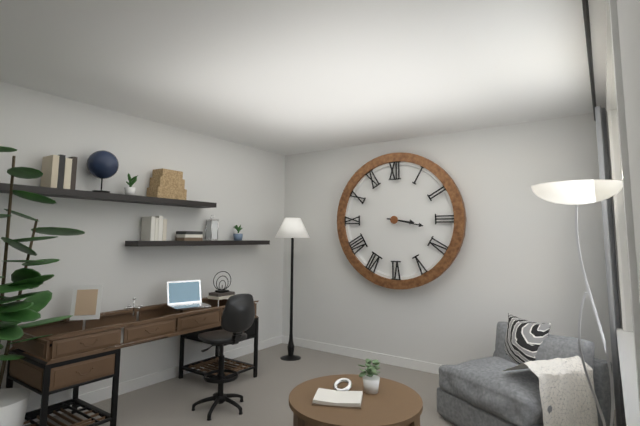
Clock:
3:17
